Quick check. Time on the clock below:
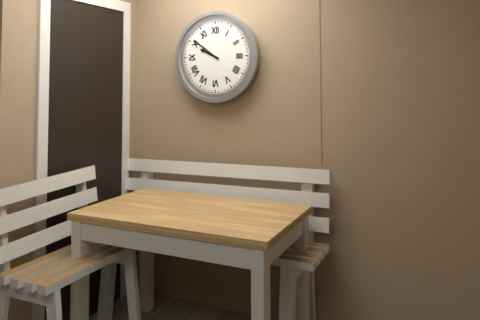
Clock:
9:51
